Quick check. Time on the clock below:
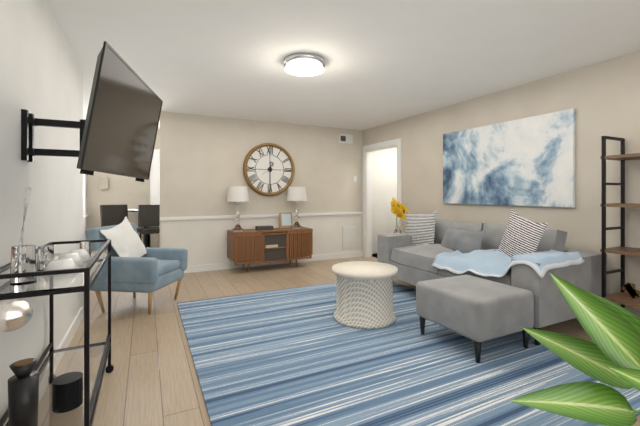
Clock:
12:30
